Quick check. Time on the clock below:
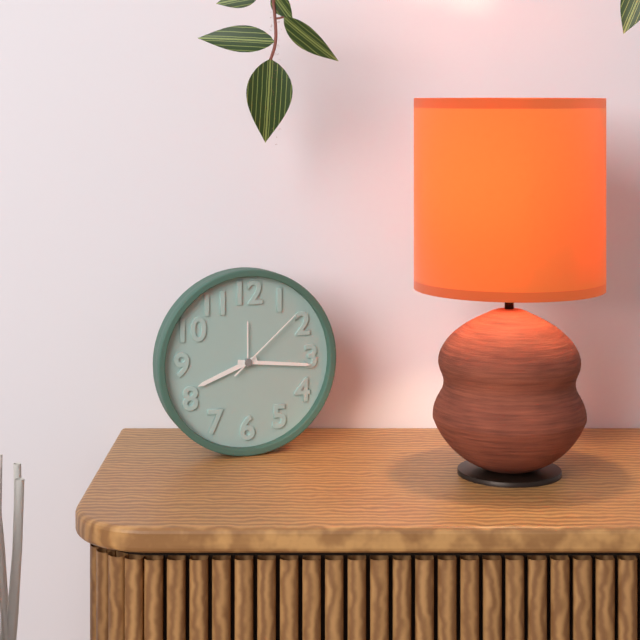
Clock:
8:16:08
